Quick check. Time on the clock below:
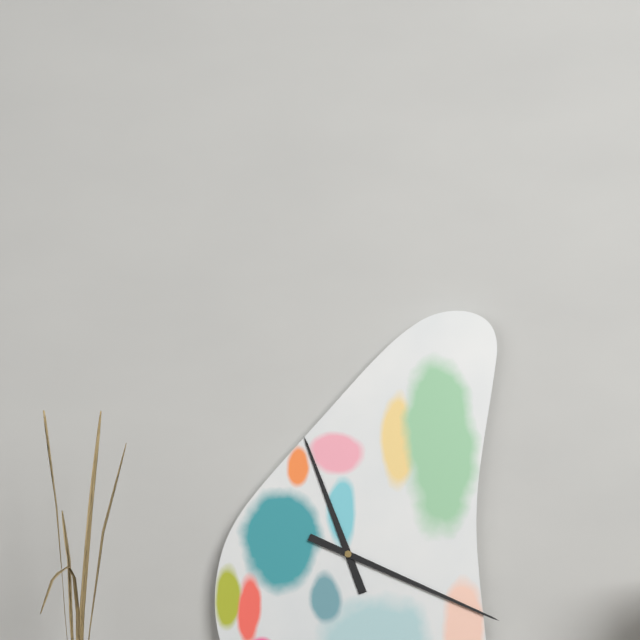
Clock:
11:19
